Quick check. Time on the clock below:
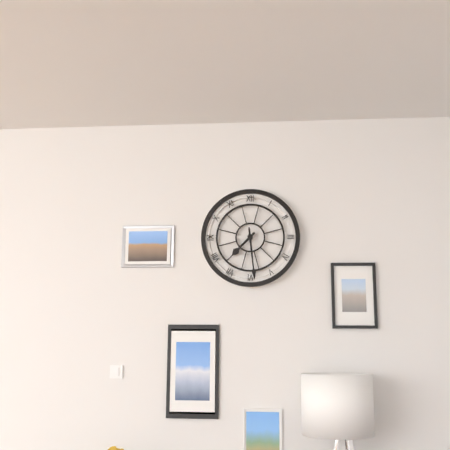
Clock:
7:29
